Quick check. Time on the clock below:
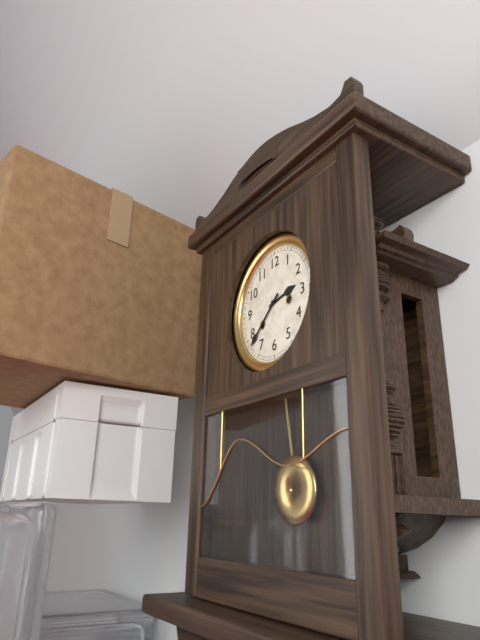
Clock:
2:38
